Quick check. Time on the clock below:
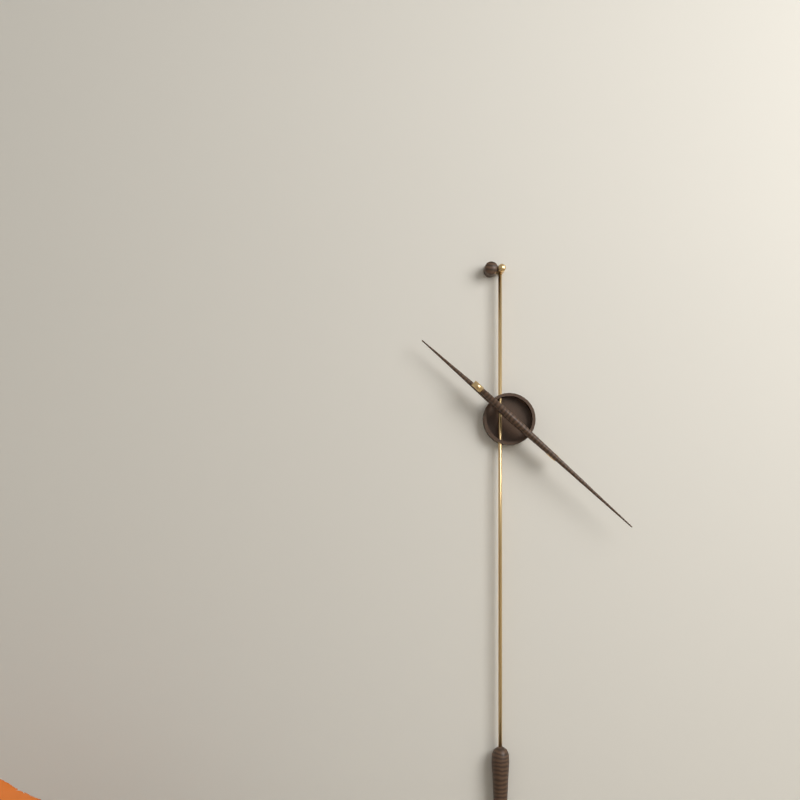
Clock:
10:22
